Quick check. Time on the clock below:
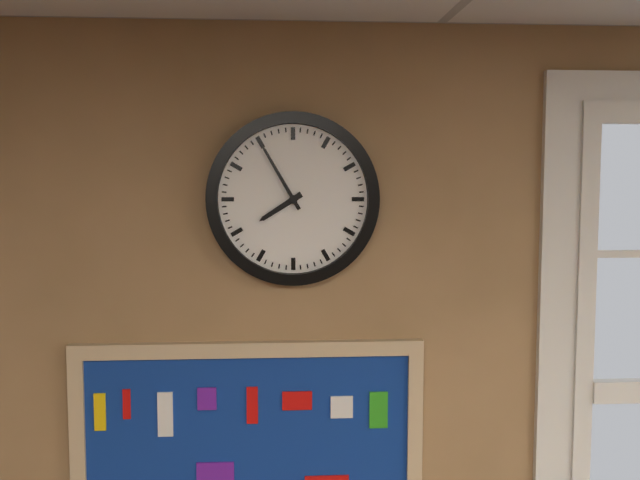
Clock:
7:55
